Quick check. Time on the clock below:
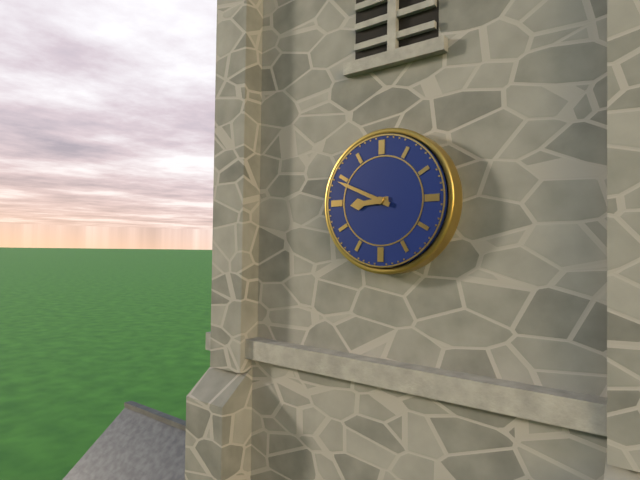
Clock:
8:49
